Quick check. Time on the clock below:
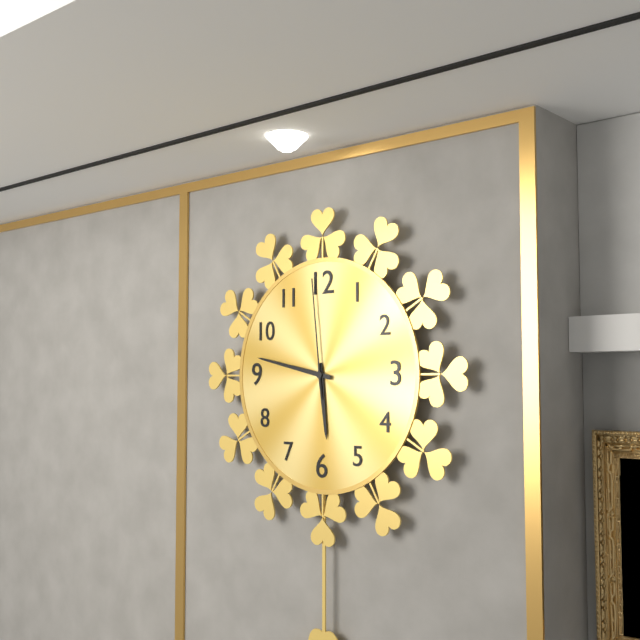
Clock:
5:47:59
